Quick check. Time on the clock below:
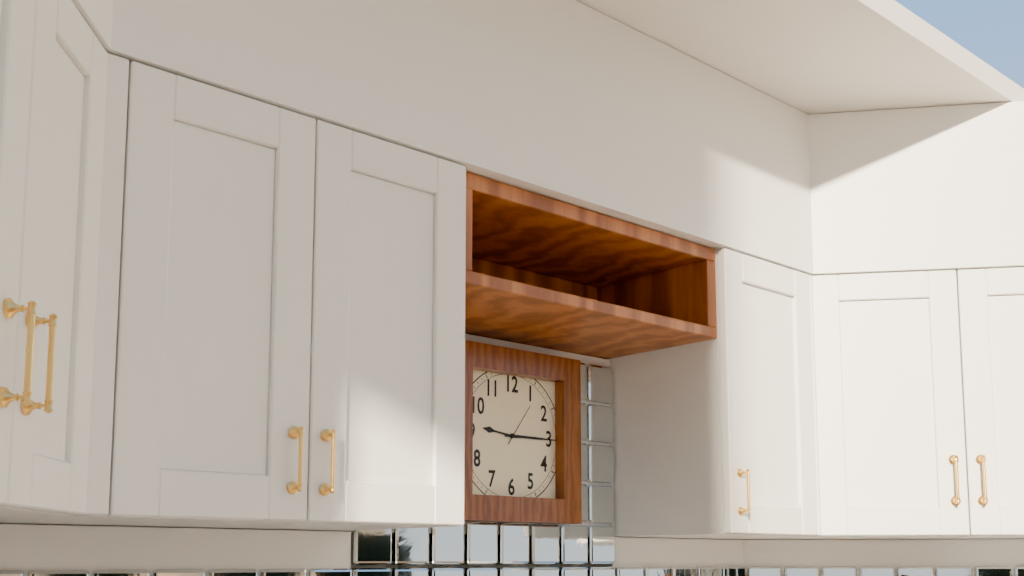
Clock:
9:15
